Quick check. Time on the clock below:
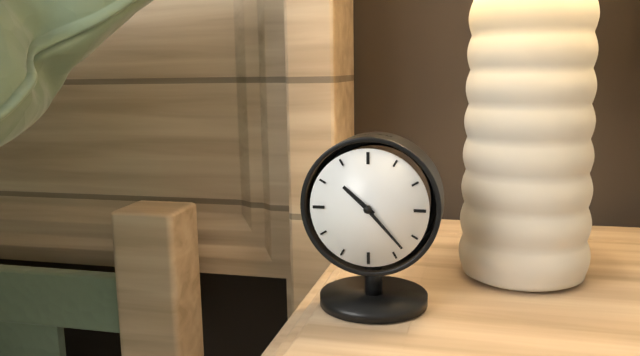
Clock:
10:23
